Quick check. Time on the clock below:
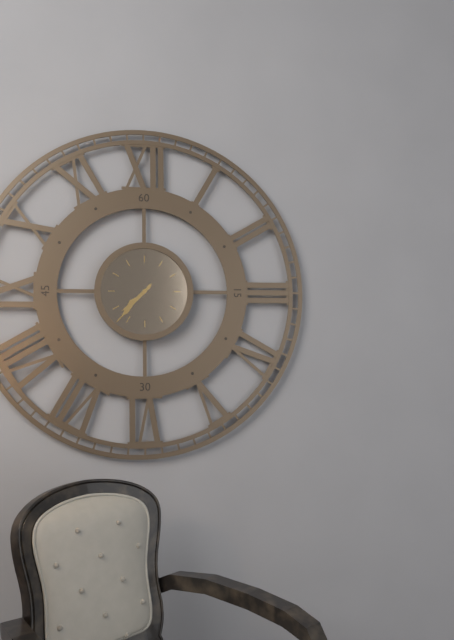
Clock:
7:37
